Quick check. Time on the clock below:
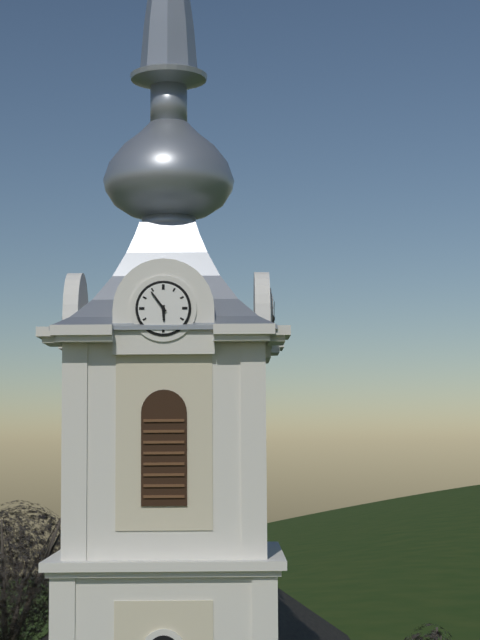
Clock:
5:54
